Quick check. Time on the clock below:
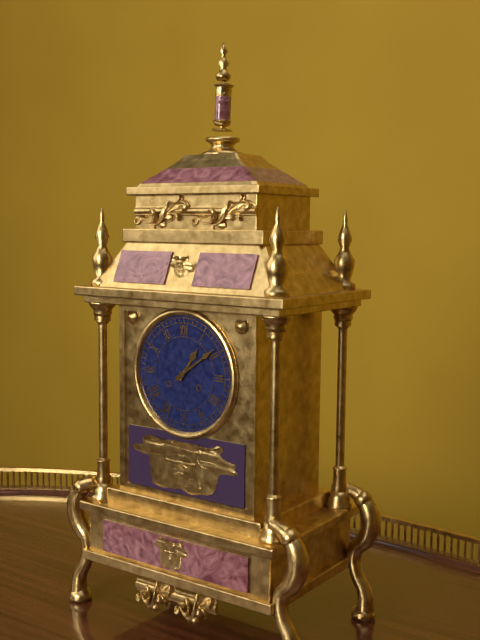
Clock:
1:09
